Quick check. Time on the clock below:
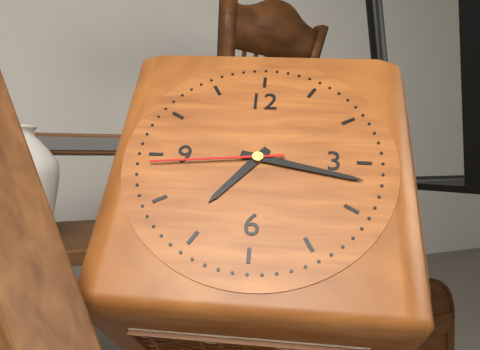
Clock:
7:17:44
